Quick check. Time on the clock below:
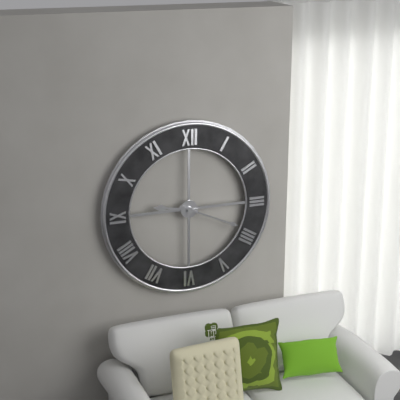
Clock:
9:19
